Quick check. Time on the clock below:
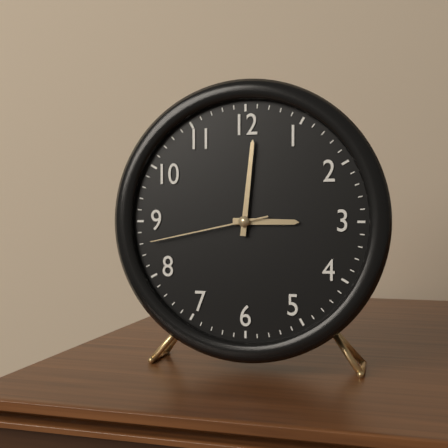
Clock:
3:01:43
